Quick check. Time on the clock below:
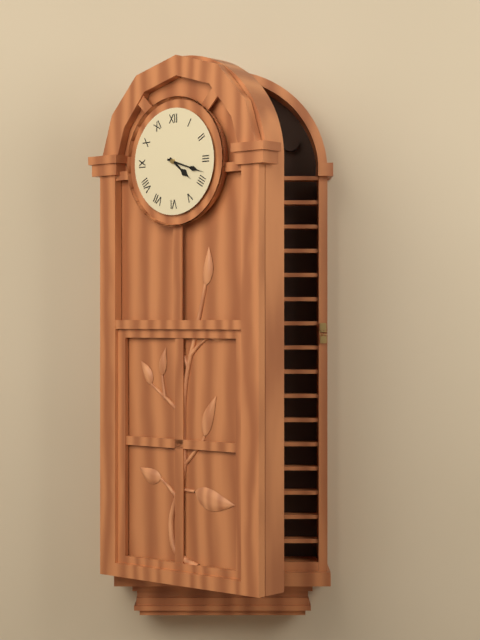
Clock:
4:18
